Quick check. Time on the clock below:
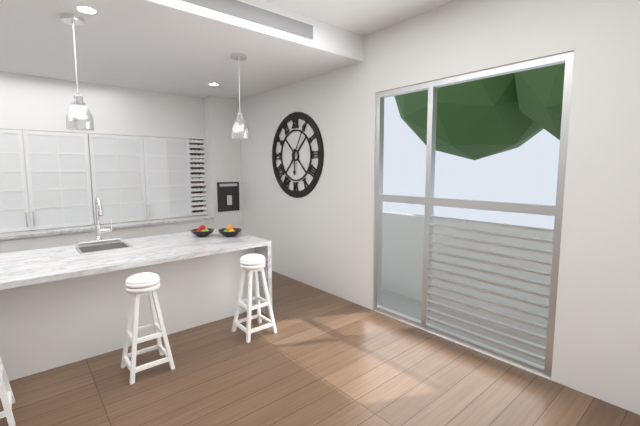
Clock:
6:05
